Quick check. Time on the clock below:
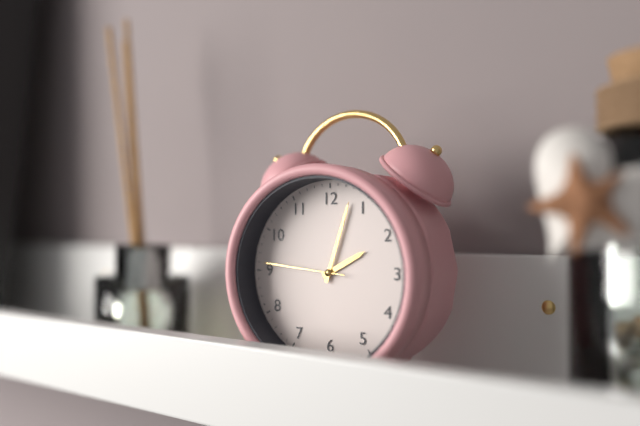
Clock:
2:03:46
